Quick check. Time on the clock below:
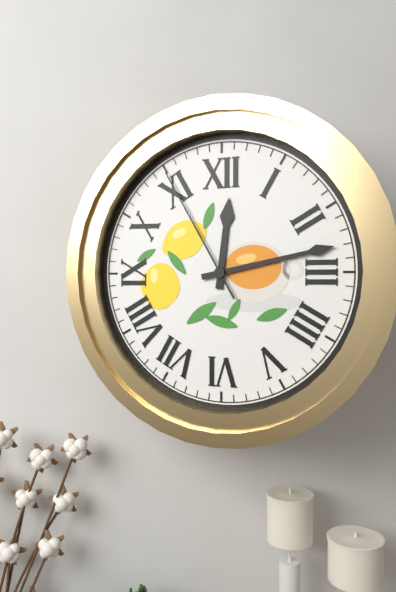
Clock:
12:13:55
